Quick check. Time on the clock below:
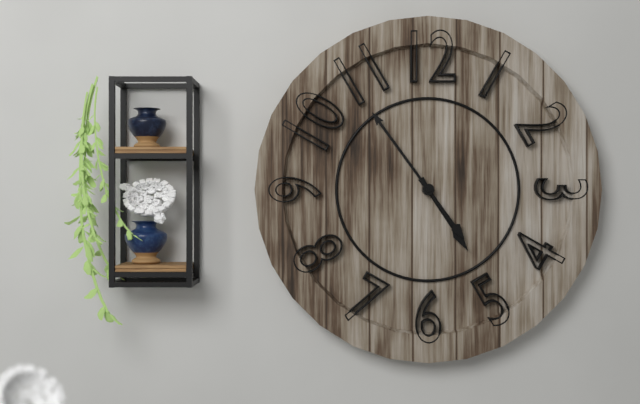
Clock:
4:54
